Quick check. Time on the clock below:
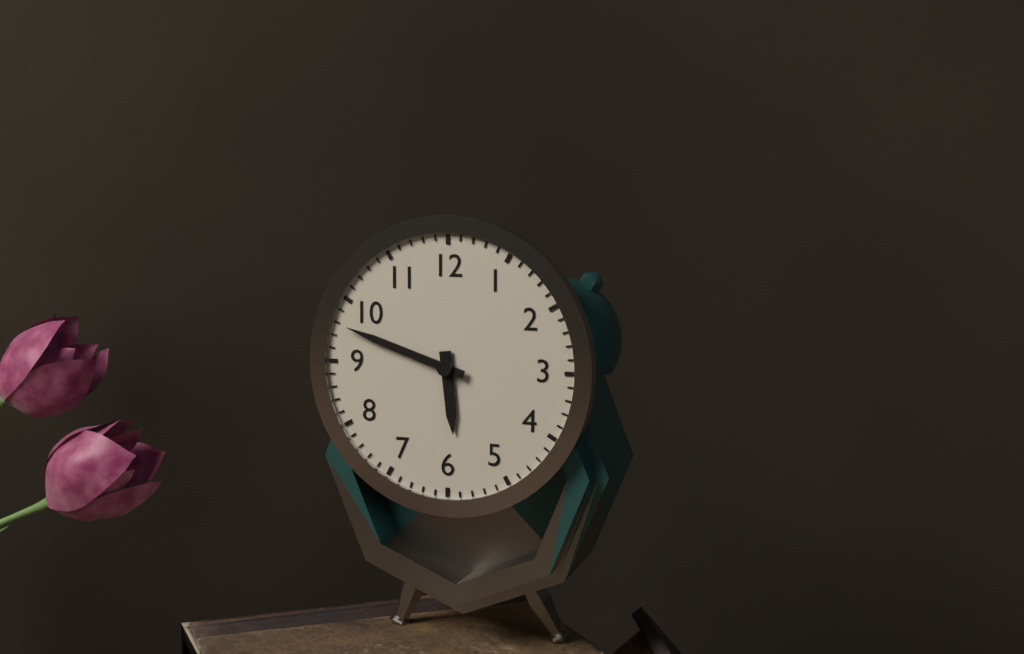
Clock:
5:48
